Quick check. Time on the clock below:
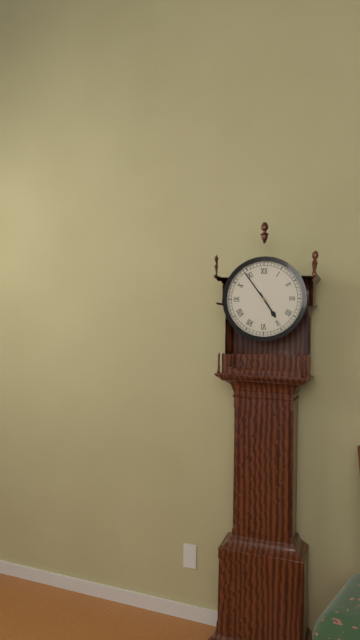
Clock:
4:54
